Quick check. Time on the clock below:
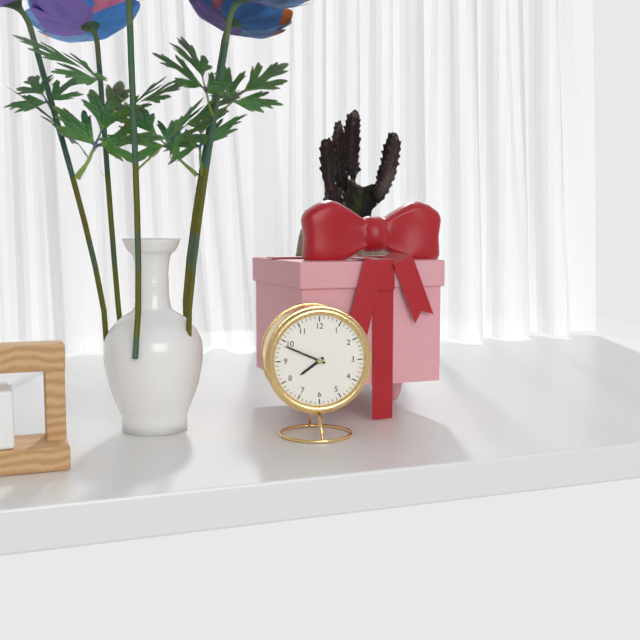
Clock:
7:49
